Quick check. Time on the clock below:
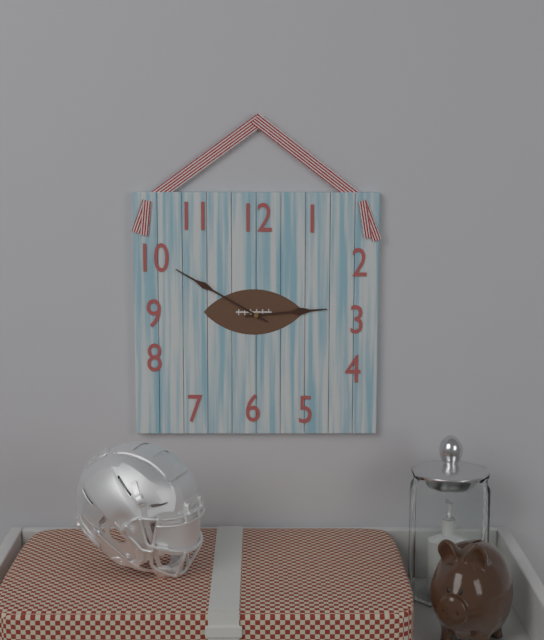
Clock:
2:50
